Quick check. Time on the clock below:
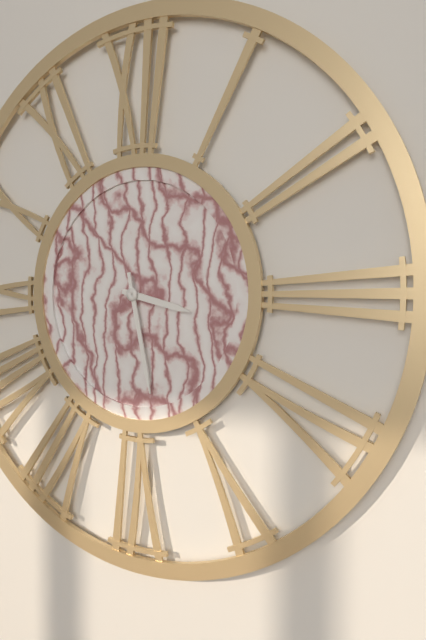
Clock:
3:28
